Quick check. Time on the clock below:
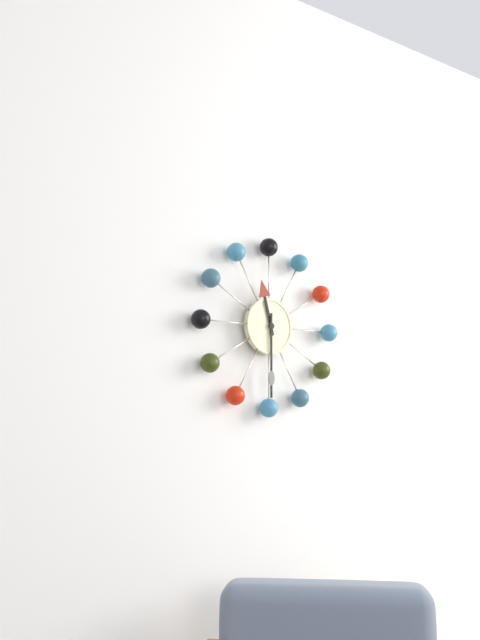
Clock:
11:30
